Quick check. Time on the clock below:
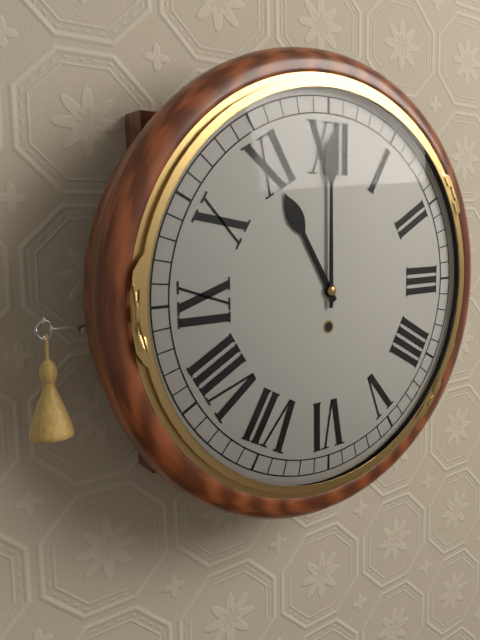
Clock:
11:00
